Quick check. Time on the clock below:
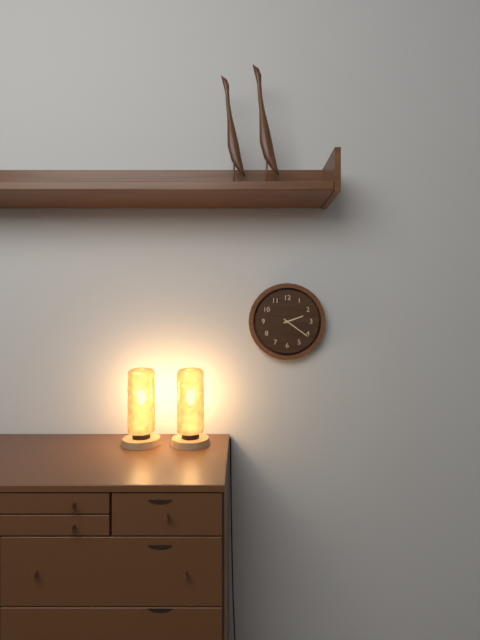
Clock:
2:21
